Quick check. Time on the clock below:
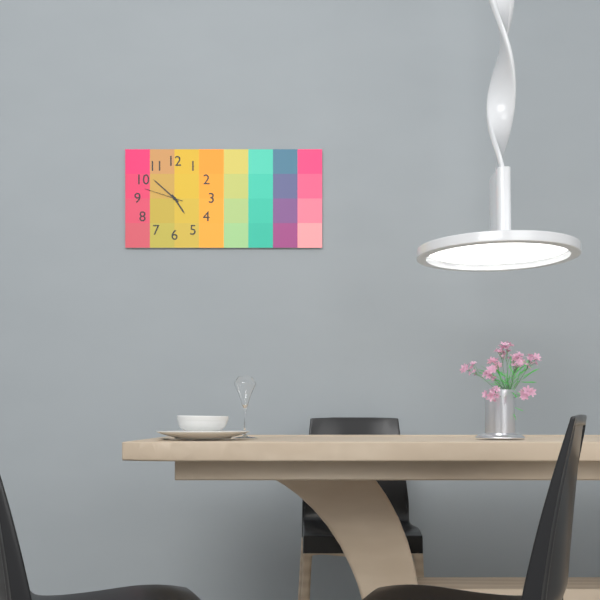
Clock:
4:52
